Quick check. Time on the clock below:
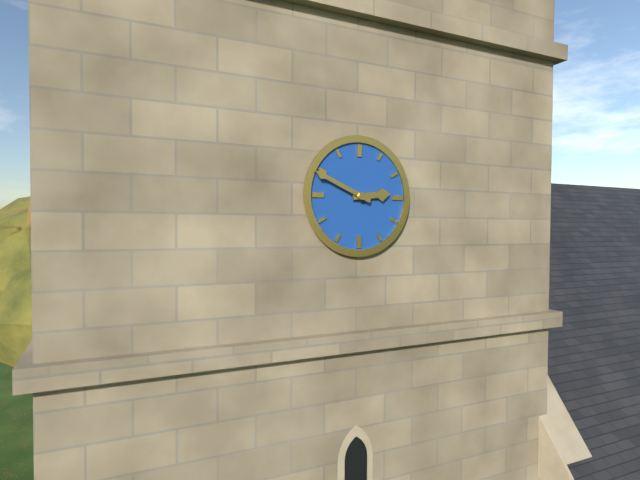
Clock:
2:49
